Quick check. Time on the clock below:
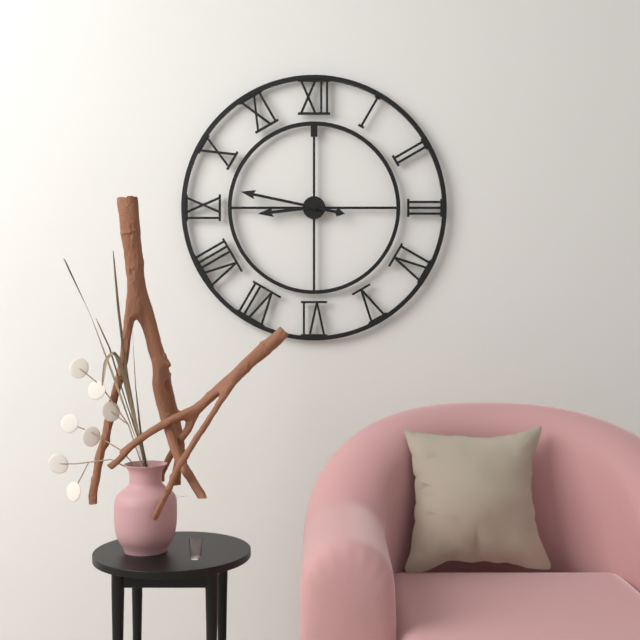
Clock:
8:47
